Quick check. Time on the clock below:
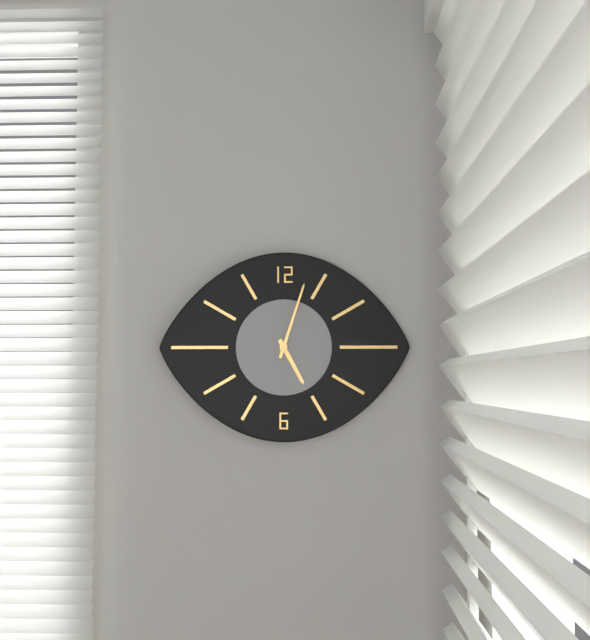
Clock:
5:03
